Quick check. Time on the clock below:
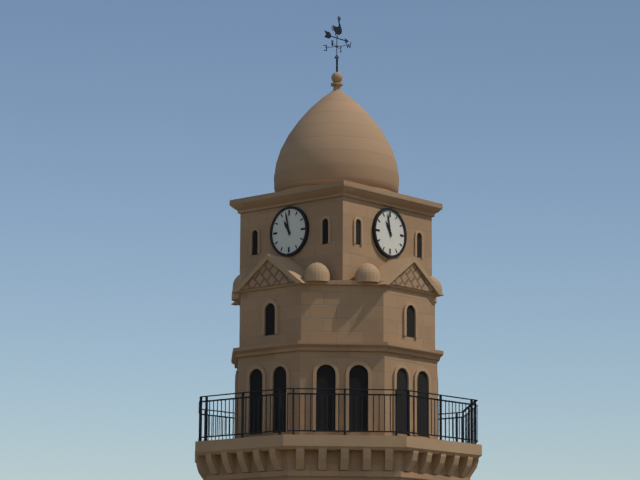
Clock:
10:58
